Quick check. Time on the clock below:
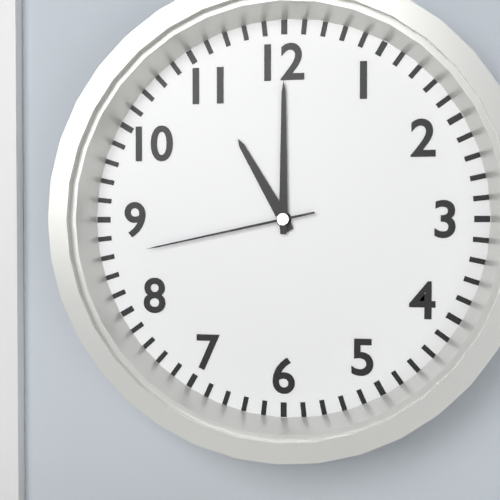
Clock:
11:00:43
